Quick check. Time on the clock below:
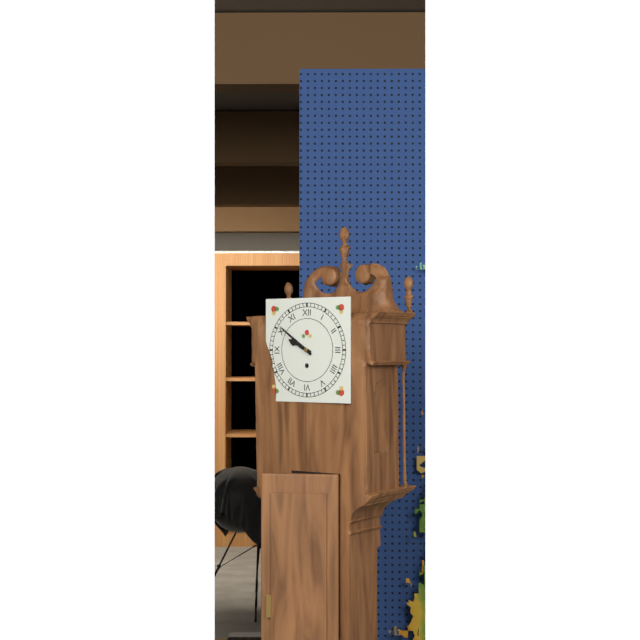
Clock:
9:51
